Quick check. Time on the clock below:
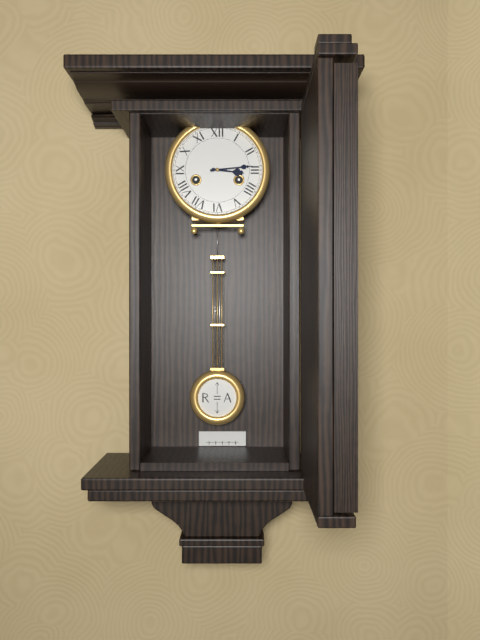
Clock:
3:14
